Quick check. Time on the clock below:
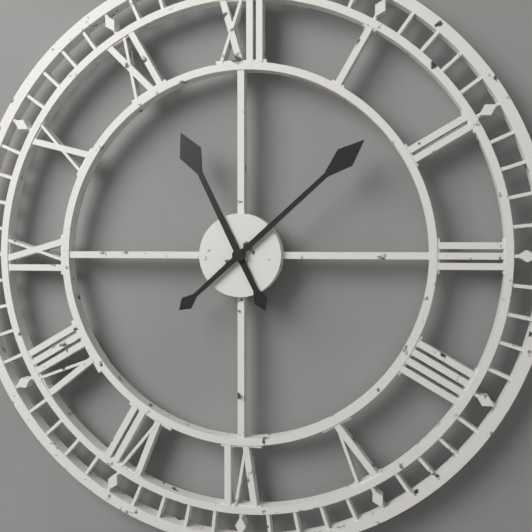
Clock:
11:08
